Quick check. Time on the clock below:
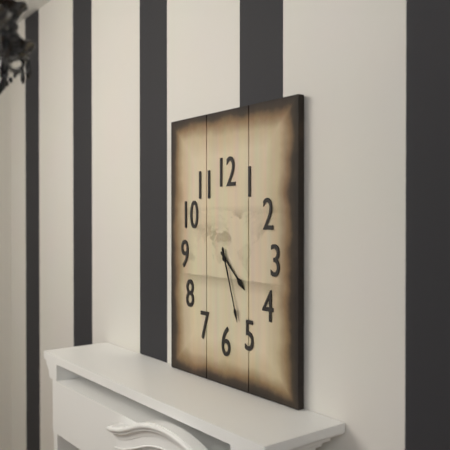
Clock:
4:27
